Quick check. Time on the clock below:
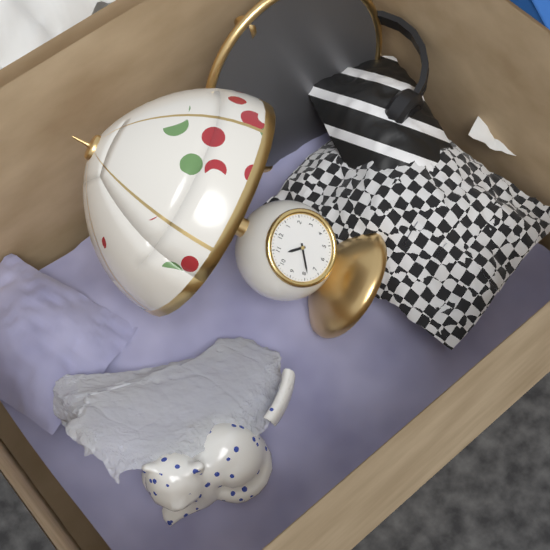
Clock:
10:39
